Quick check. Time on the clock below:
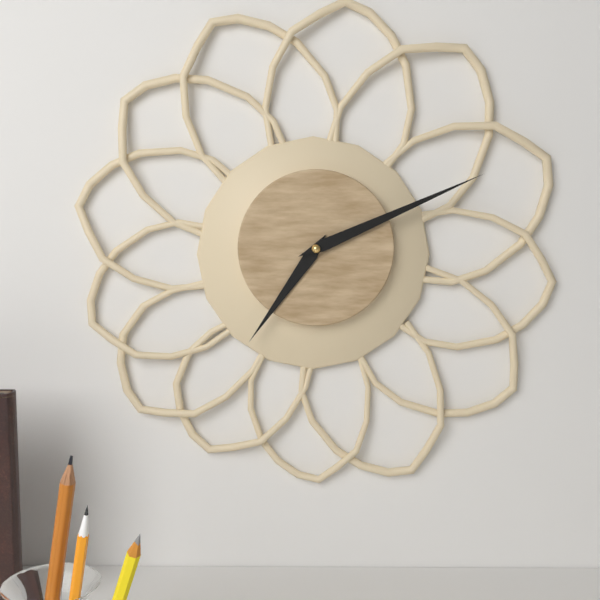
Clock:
7:11
